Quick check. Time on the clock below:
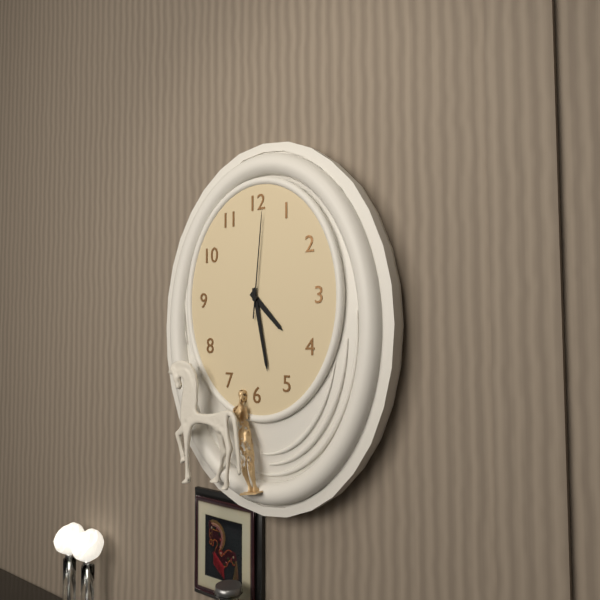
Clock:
4:28:01
